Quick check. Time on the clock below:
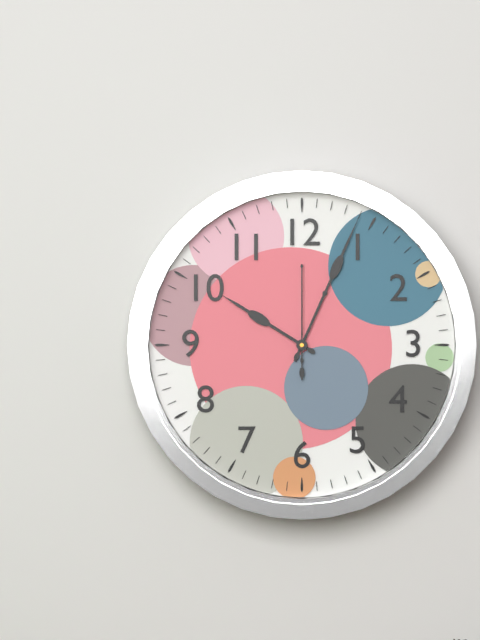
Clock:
10:04:00
